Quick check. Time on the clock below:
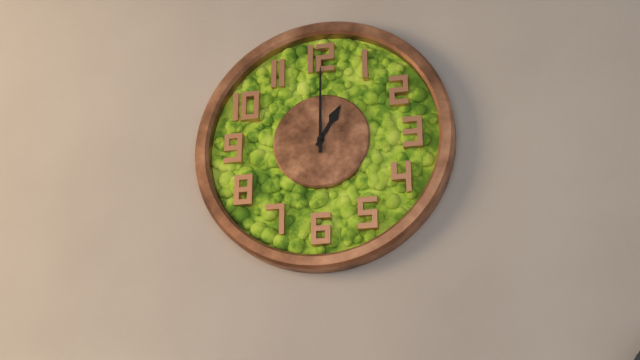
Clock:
1:00
